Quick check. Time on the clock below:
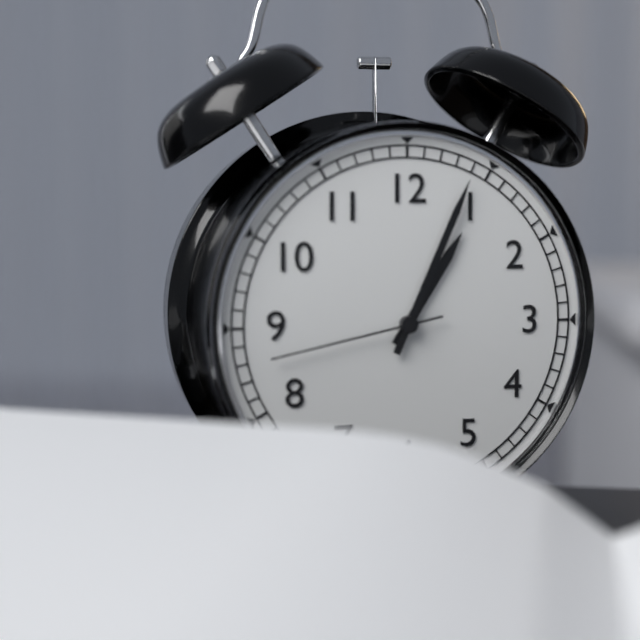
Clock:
1:04:43
